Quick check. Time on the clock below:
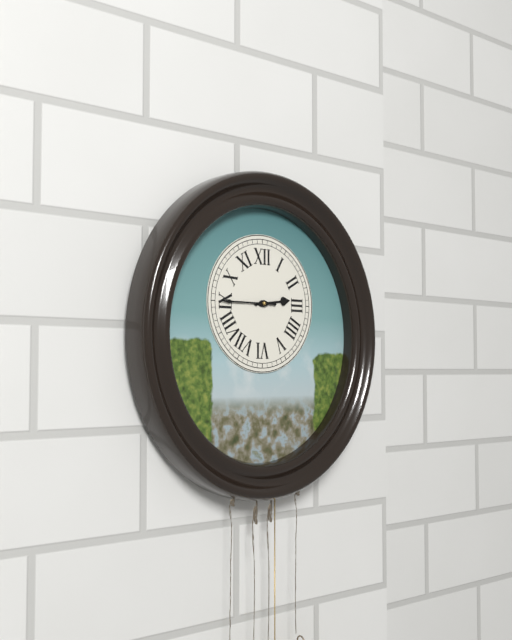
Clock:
2:45
